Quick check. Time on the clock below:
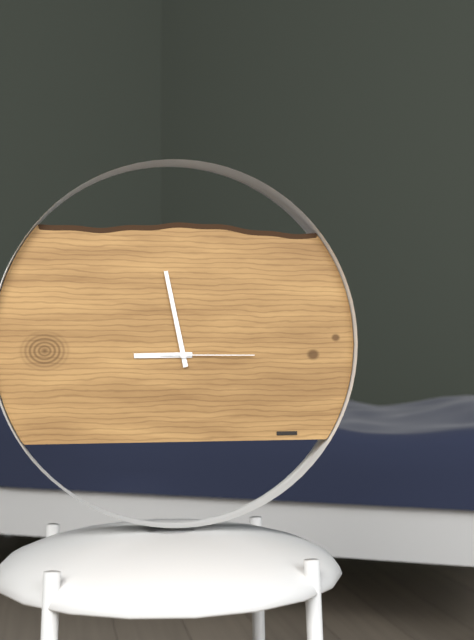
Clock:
8:58:15
